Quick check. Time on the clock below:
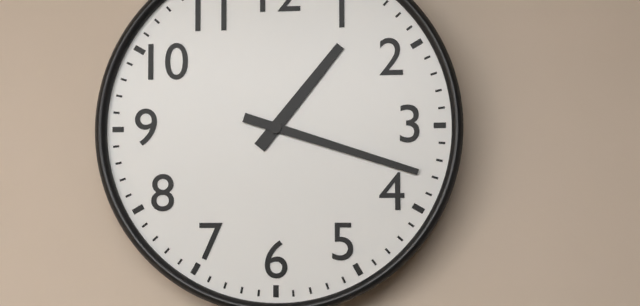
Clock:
1:18
